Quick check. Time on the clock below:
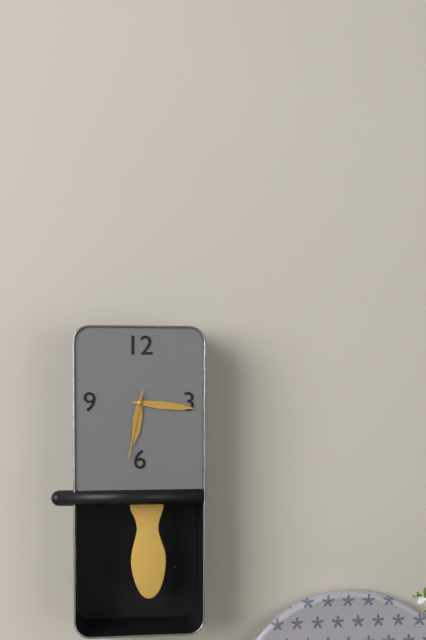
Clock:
6:16:32
